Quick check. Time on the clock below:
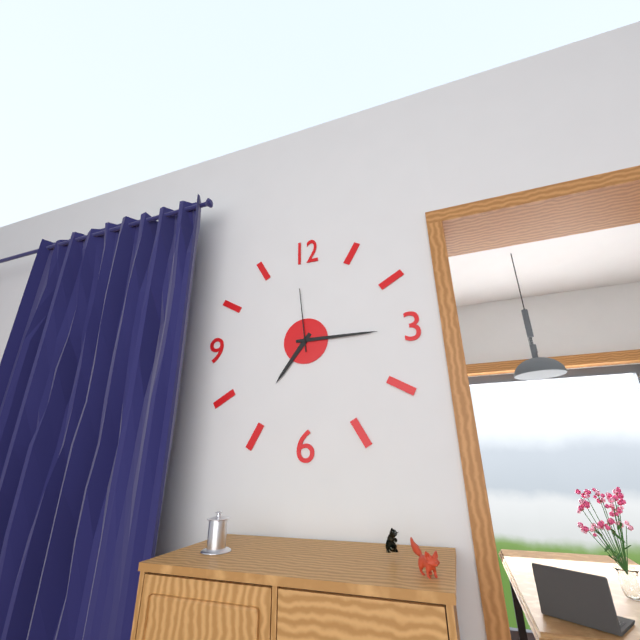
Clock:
7:15:59
